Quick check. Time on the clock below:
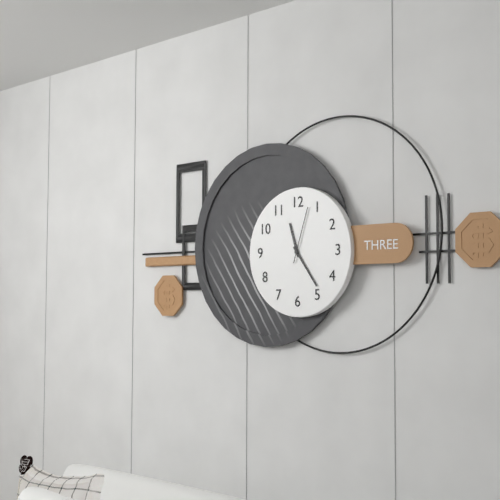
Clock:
11:24:03
